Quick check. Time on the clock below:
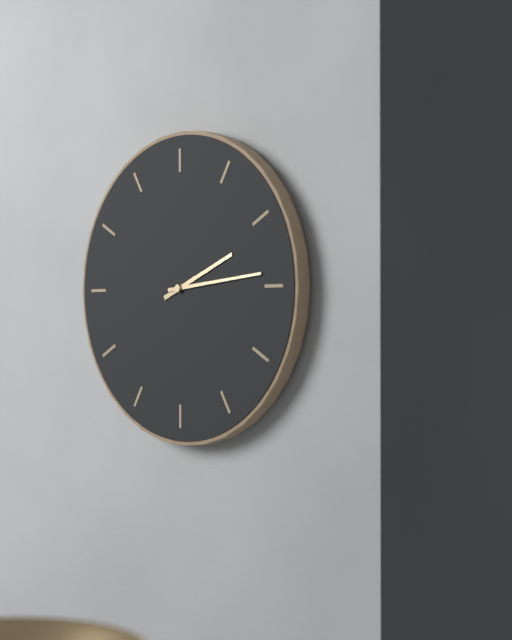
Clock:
2:14
